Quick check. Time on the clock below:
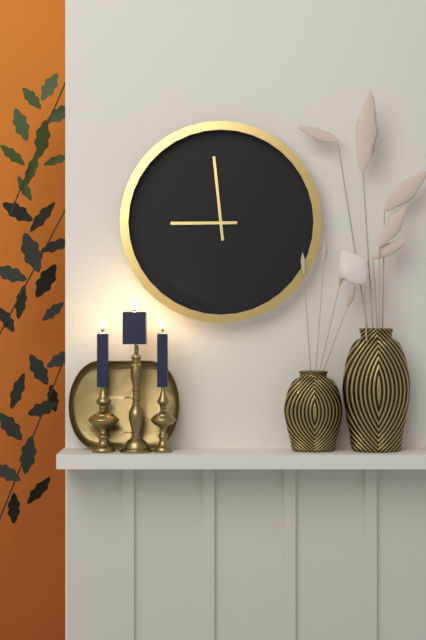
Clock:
8:59
